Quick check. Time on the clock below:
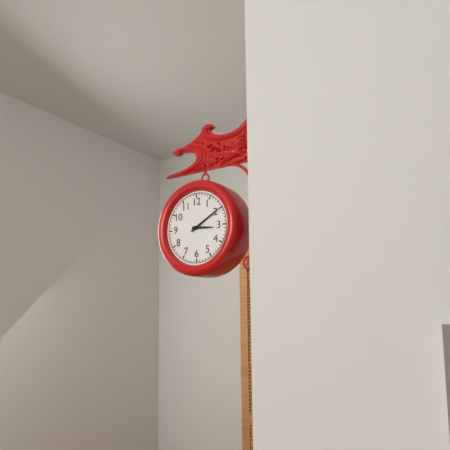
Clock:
3:10
